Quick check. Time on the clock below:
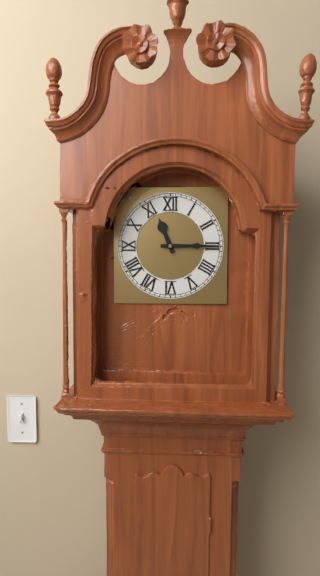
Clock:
11:15
